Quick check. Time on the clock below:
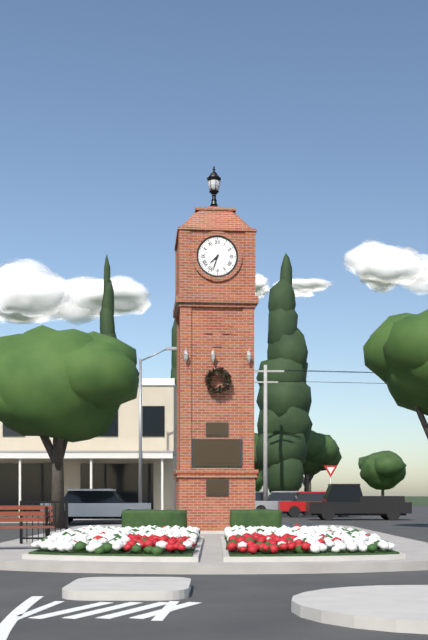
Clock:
7:33
